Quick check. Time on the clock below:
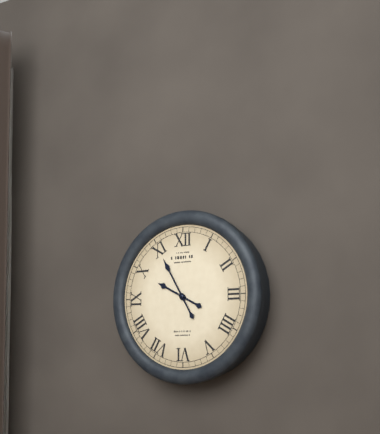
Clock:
9:55
